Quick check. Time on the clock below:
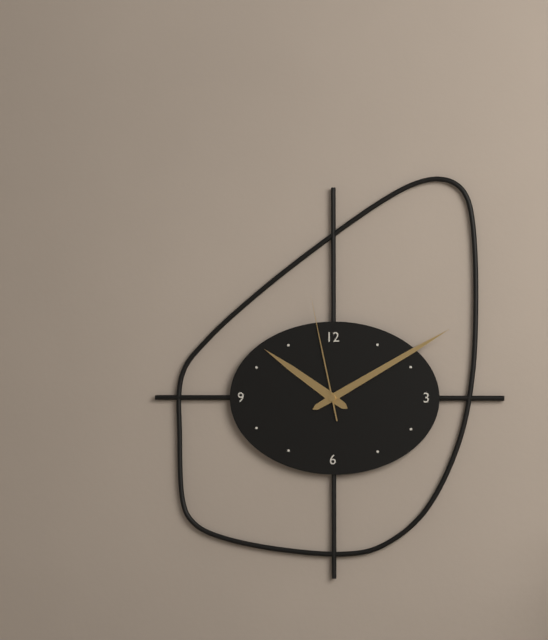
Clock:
10:10:58
